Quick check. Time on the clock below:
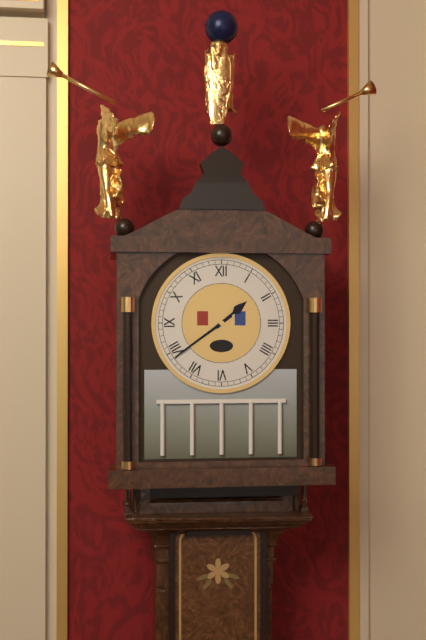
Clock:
1:39
